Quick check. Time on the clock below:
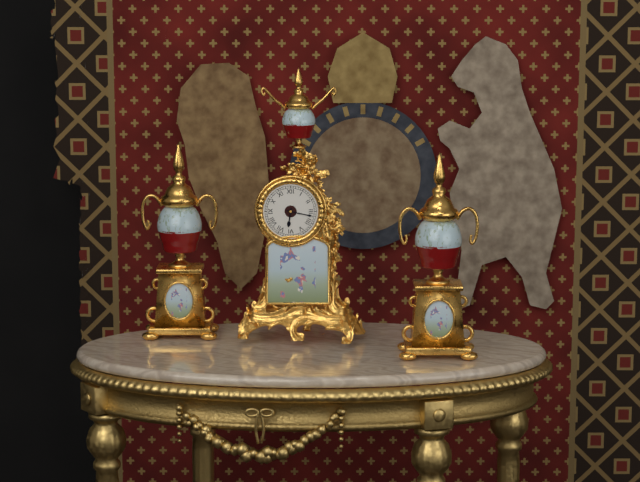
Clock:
6:17
